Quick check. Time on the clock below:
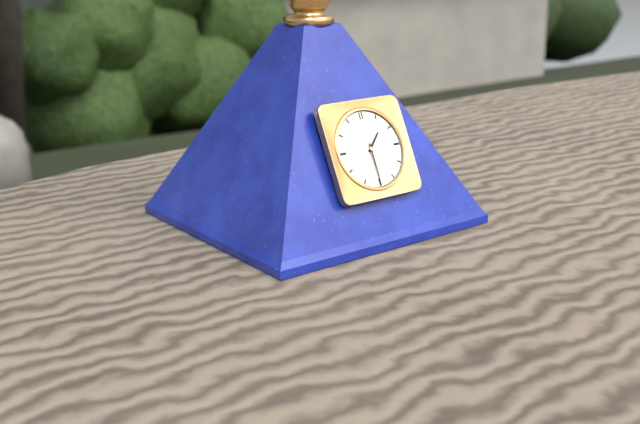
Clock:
1:30
